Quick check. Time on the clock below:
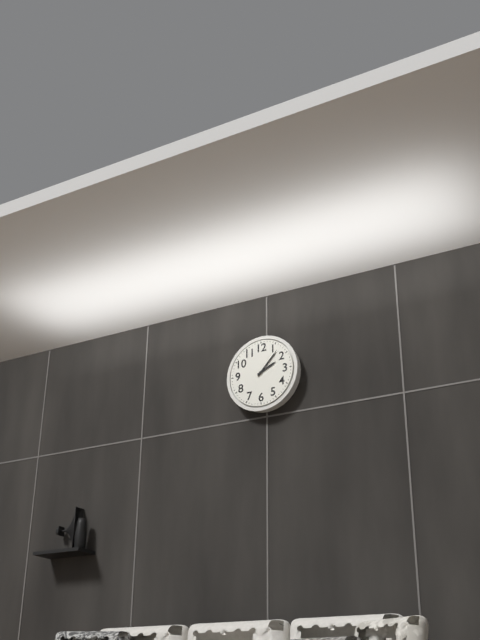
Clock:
2:07
